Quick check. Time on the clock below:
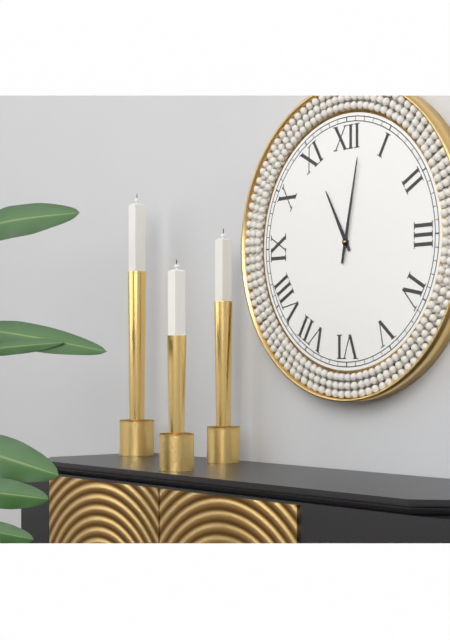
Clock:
11:02
